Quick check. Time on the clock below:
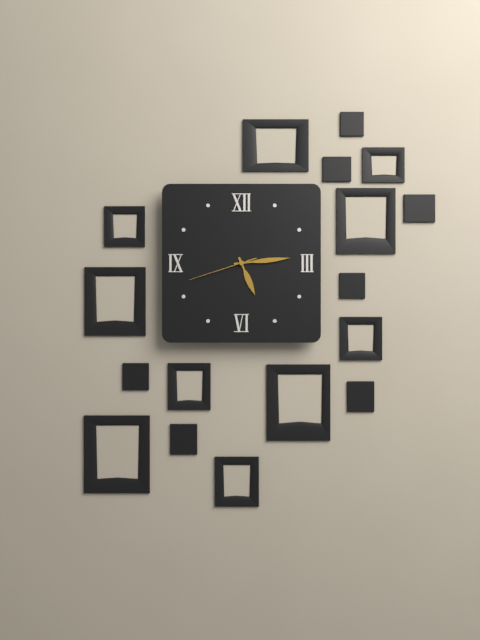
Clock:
5:14:42
